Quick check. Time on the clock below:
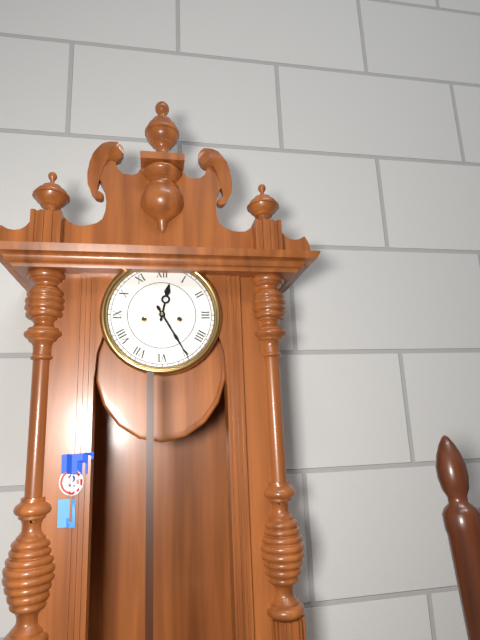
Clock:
12:25
